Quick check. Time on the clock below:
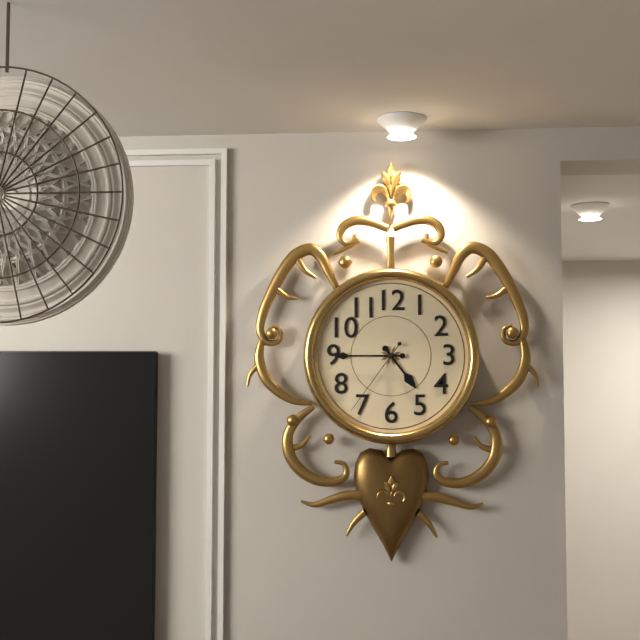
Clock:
4:45:36
